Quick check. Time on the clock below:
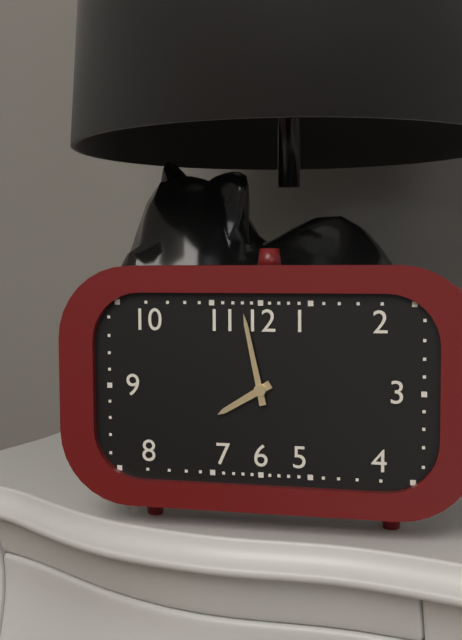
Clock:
7:58
